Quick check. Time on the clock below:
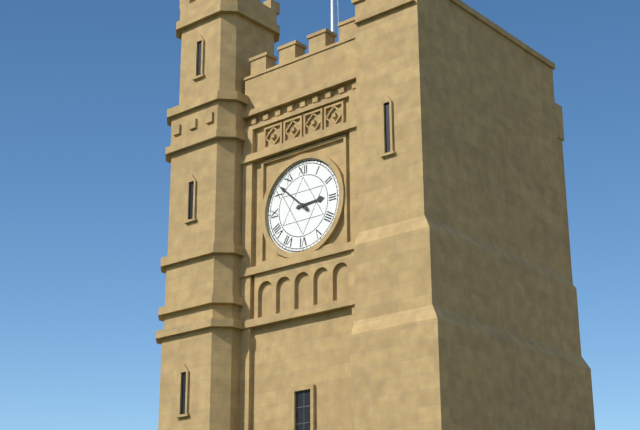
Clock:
2:52
